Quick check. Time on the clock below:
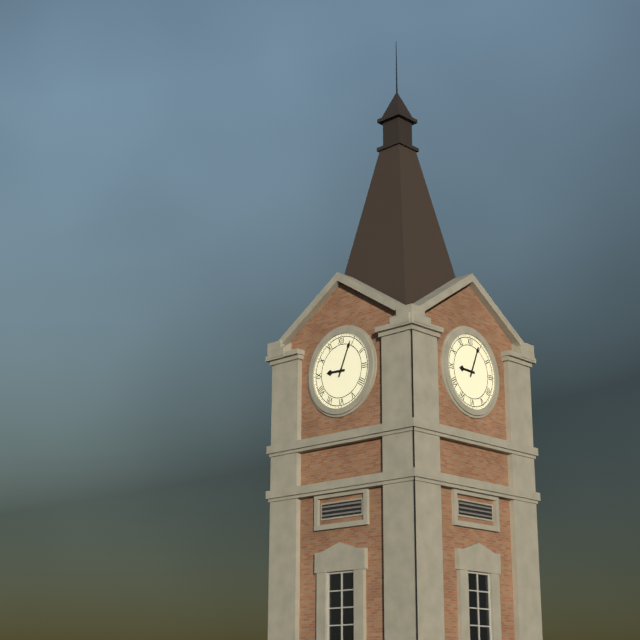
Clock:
9:04
